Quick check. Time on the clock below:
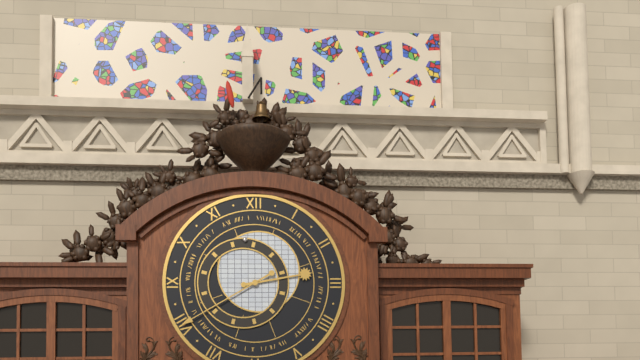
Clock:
2:40
